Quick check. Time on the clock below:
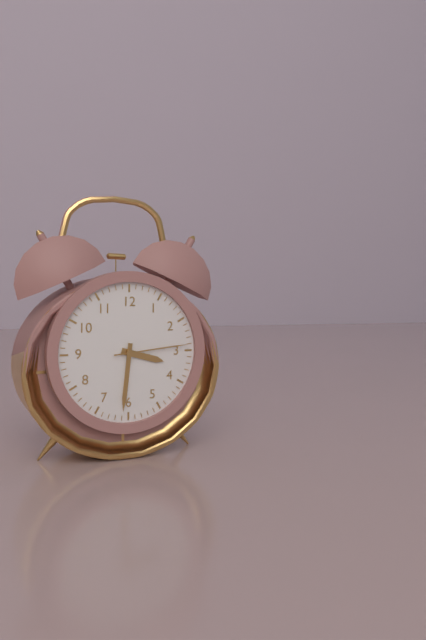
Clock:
3:31:14
